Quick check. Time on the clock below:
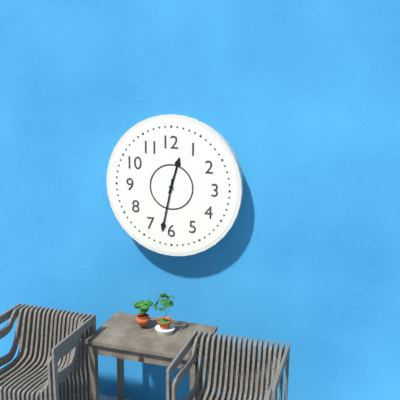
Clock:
12:32
